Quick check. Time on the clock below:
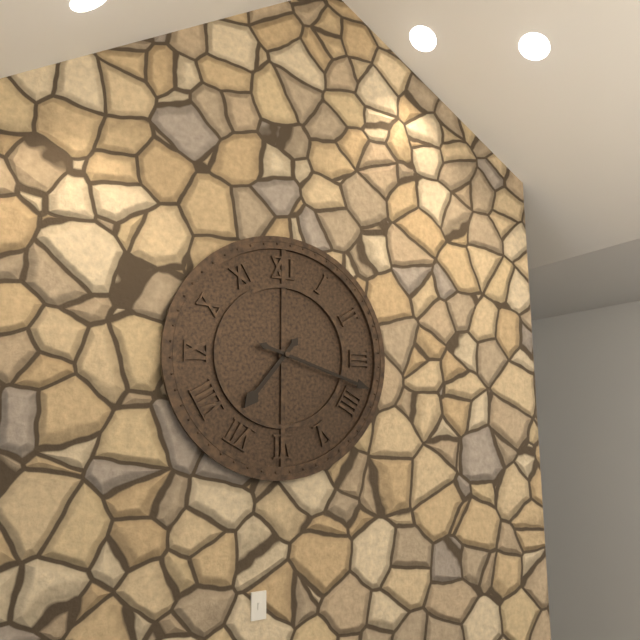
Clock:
7:18
